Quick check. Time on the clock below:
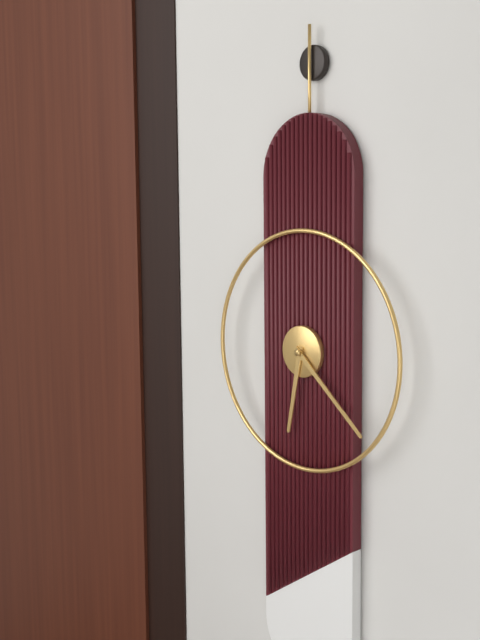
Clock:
6:22
